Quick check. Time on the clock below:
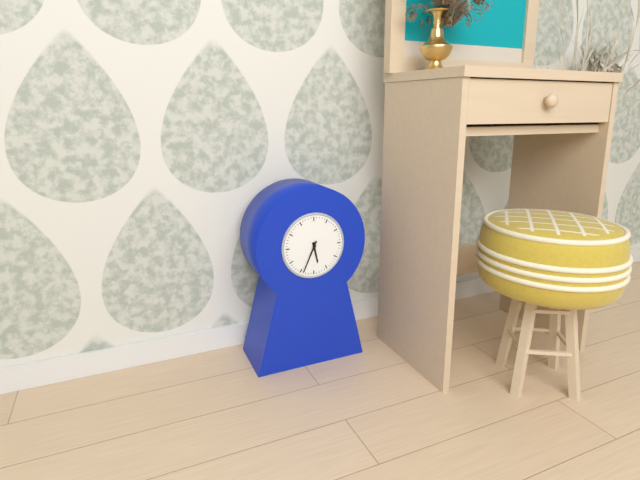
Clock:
5:34
